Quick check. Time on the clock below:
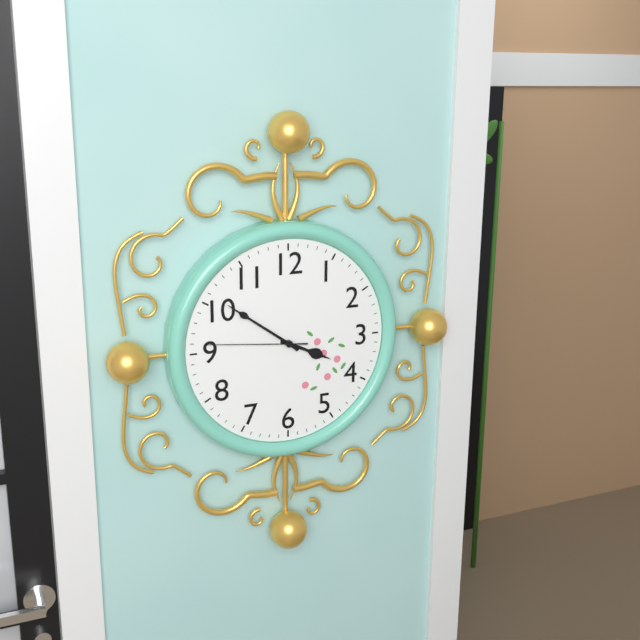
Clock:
3:51:46
